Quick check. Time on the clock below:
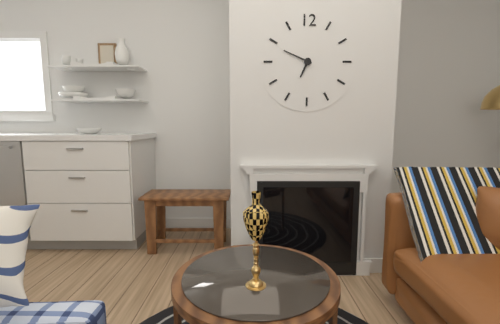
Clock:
6:49
